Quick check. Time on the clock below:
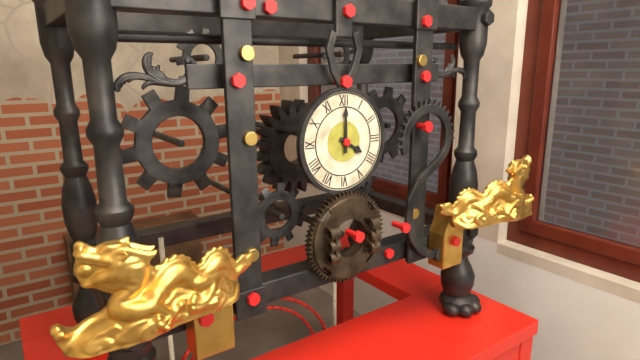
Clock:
4:00
